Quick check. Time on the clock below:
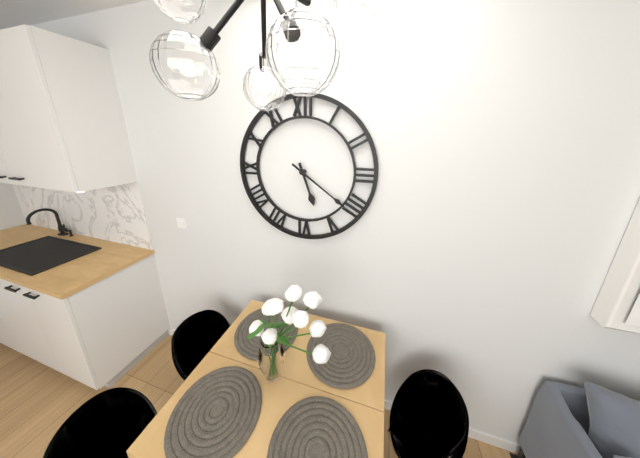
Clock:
5:21
